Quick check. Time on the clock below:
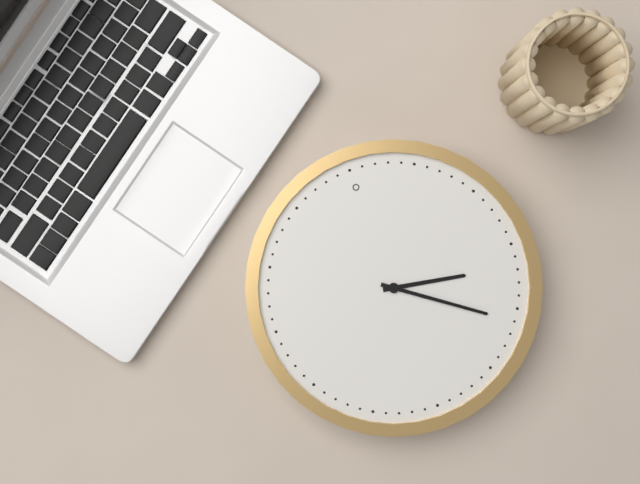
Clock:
3:21
